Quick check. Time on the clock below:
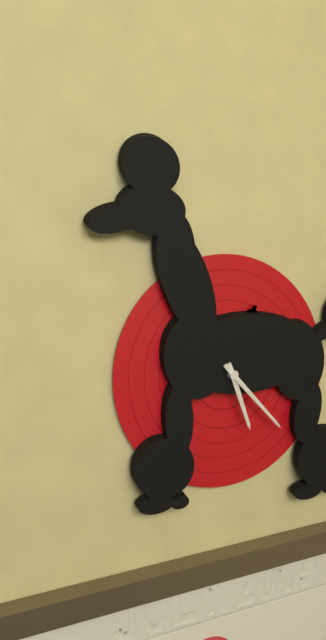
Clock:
5:23
